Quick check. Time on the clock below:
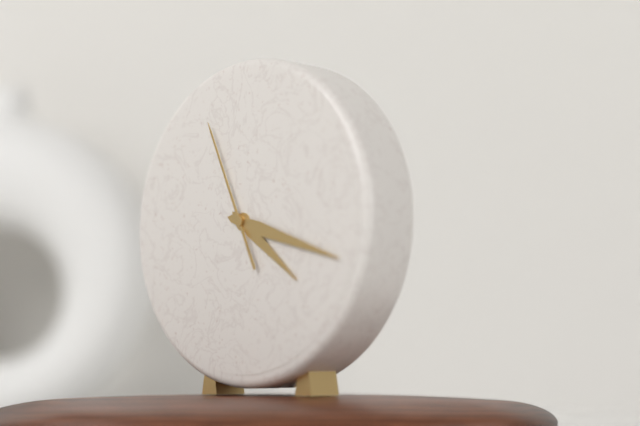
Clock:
4:18:56
